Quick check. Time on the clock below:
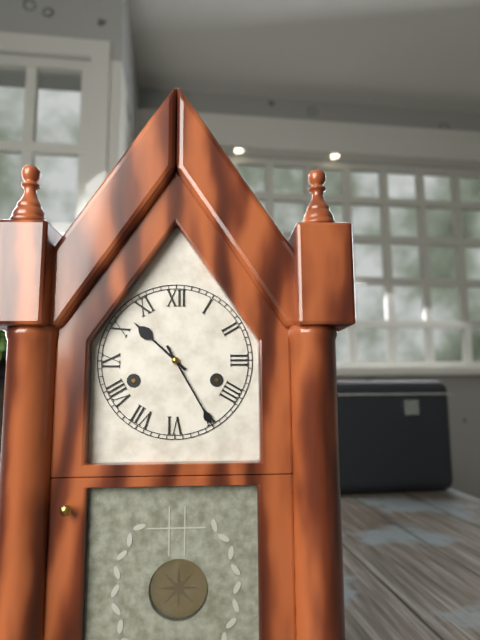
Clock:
10:25
